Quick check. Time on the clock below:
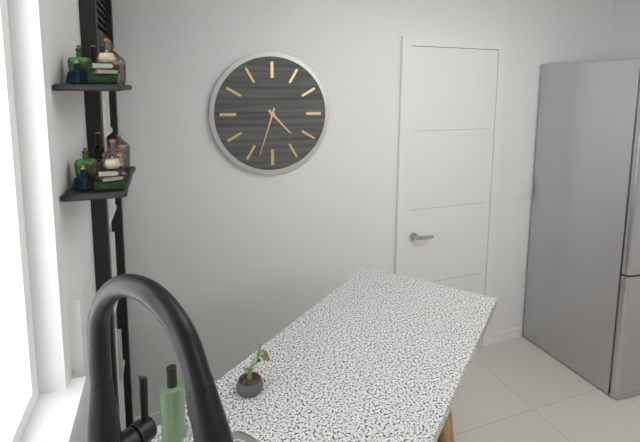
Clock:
4:33
